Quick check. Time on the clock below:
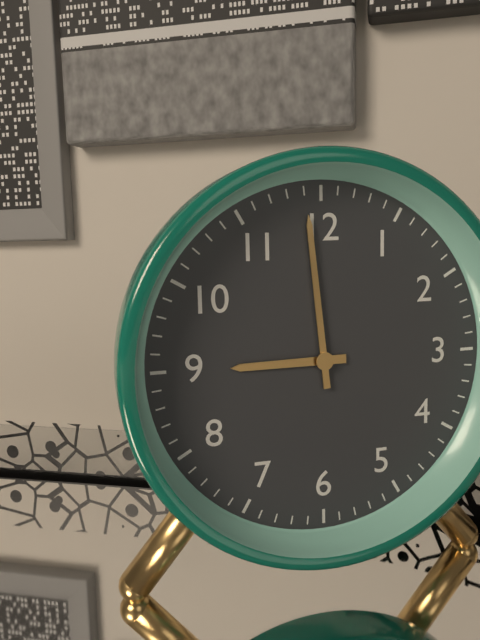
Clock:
8:59
